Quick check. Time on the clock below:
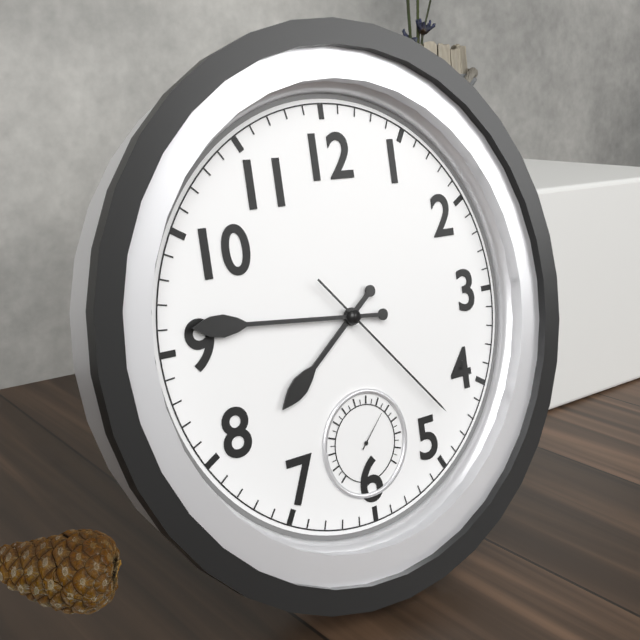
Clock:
7:46:23
